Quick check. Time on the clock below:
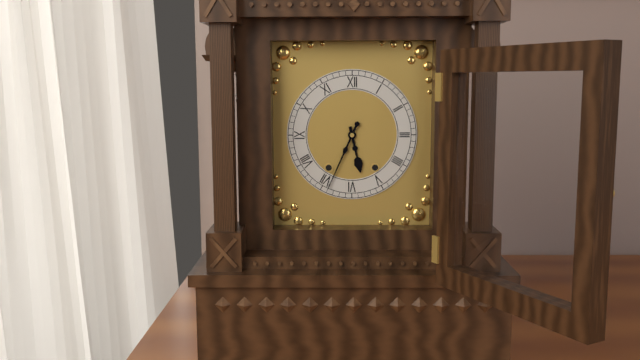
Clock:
5:34
